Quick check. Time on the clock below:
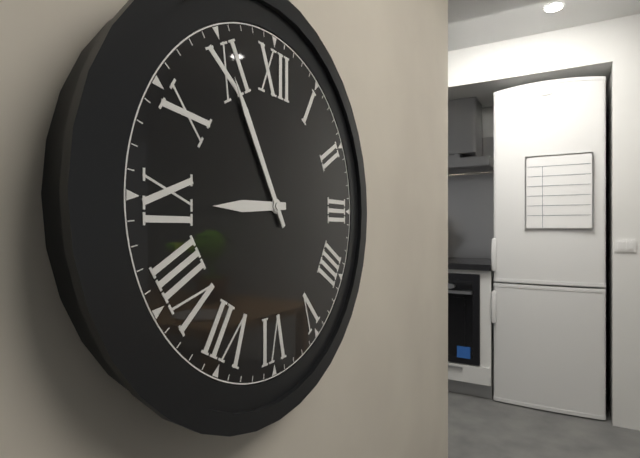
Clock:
8:55
